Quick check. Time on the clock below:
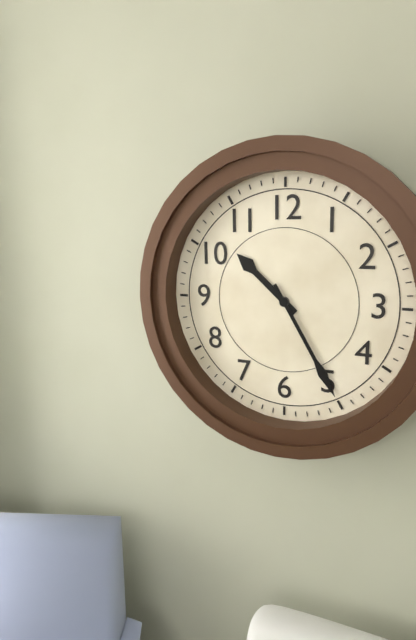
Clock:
10:25
